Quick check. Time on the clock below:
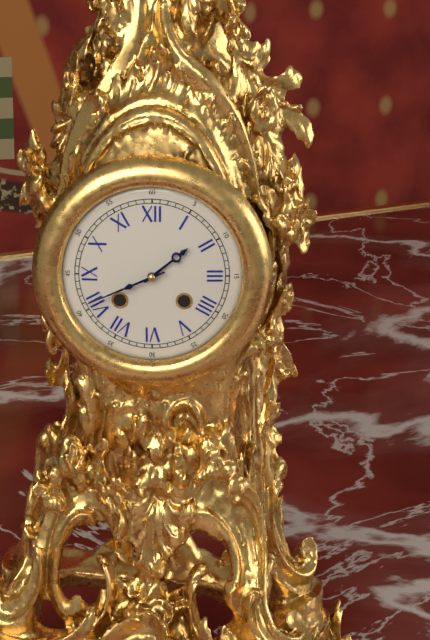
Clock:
1:41
